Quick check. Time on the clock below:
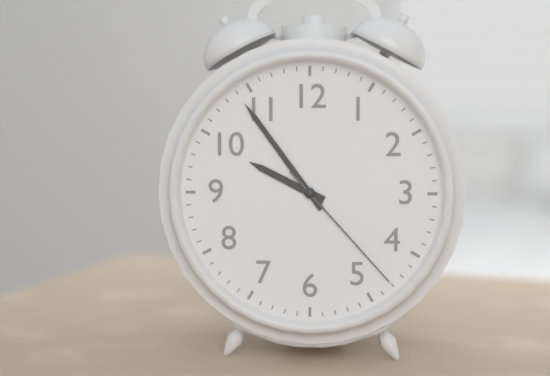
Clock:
9:54:23
